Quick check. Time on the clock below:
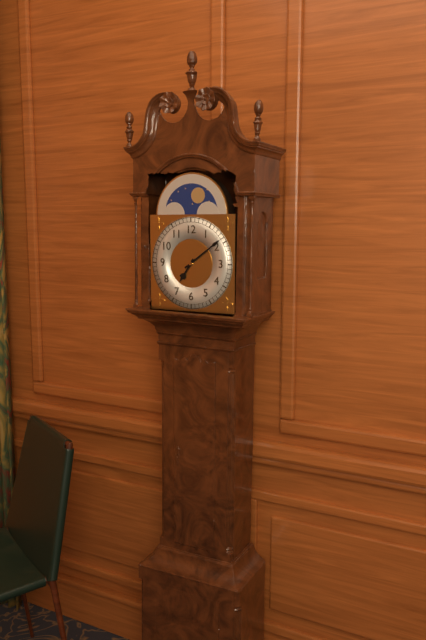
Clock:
7:09
